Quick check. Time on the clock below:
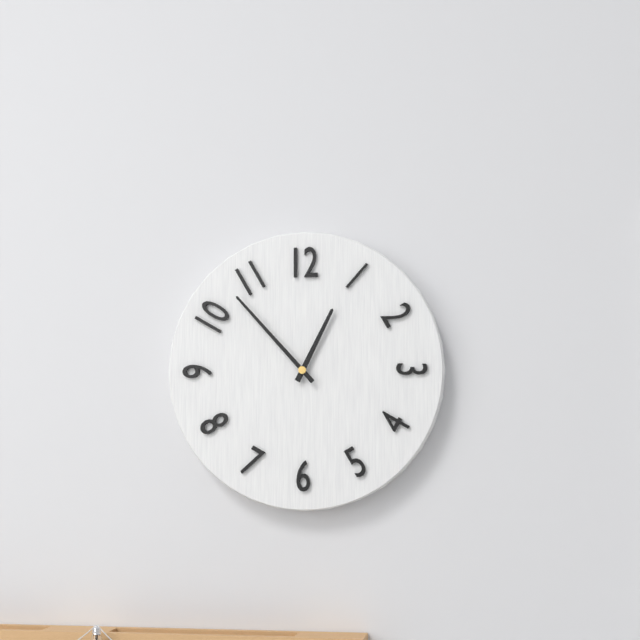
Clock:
12:53
